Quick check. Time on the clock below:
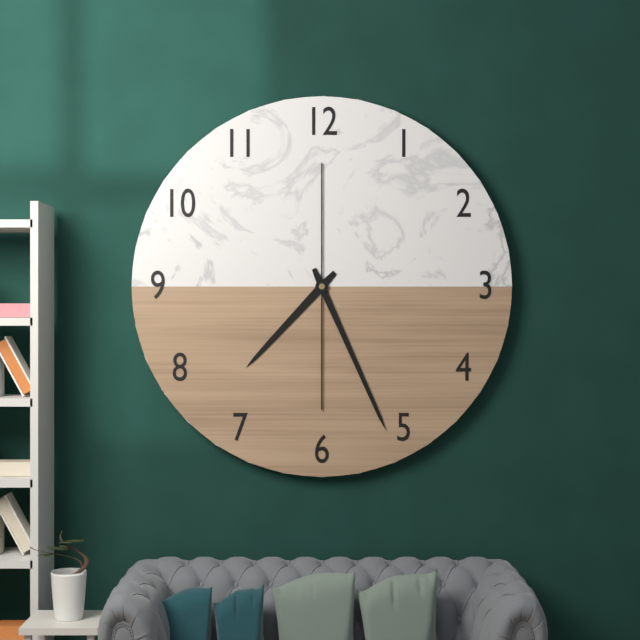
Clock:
7:26
